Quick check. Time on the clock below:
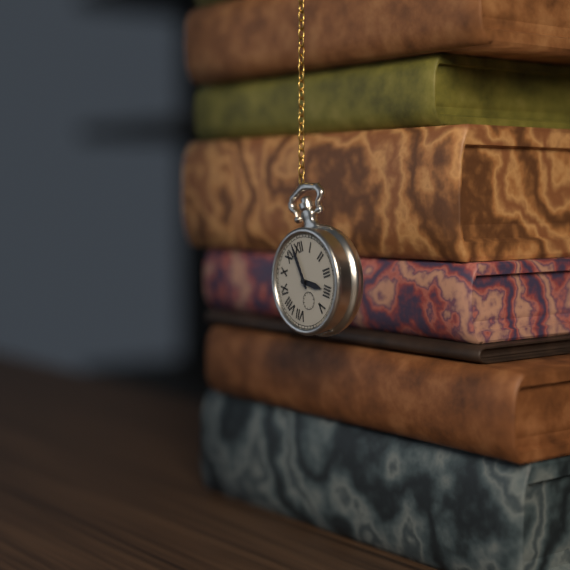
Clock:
3:58
